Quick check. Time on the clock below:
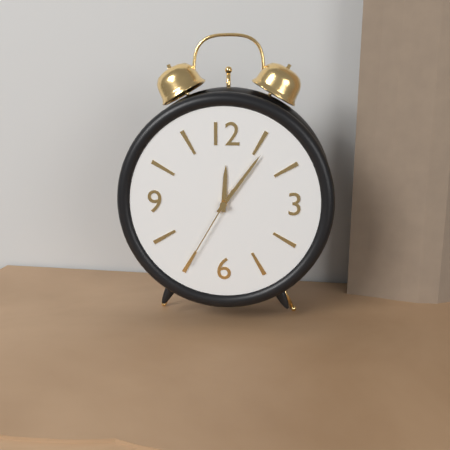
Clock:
12:06:35
